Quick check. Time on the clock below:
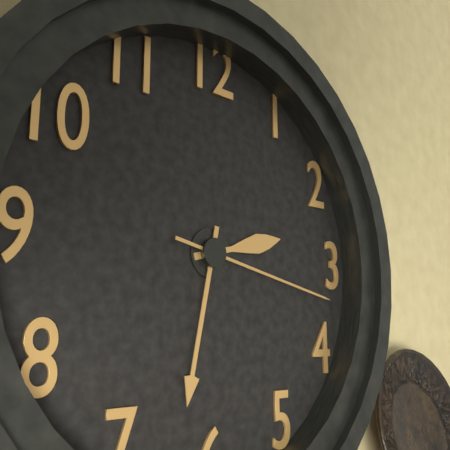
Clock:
2:32:17
